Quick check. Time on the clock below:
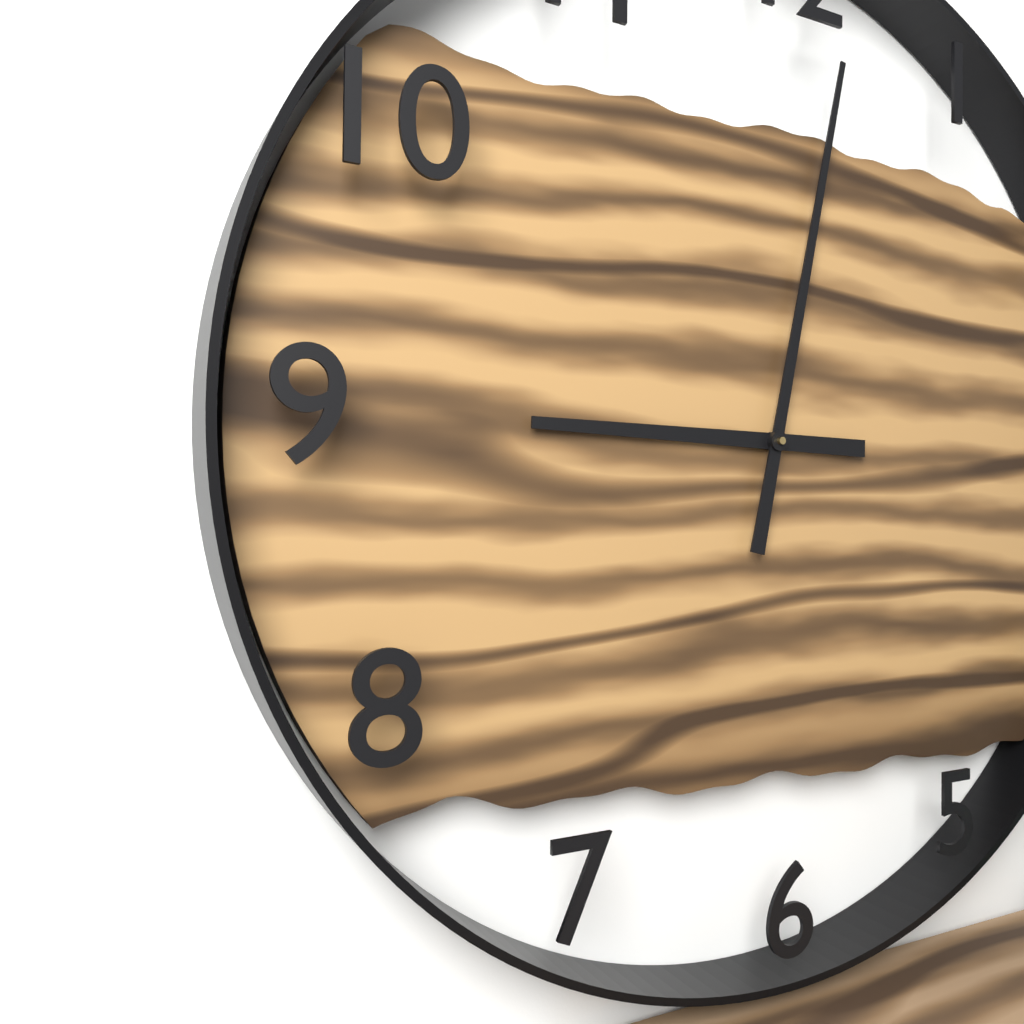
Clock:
9:02
